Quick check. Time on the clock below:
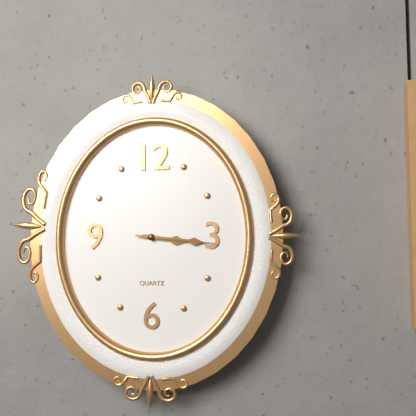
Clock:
3:16:16
